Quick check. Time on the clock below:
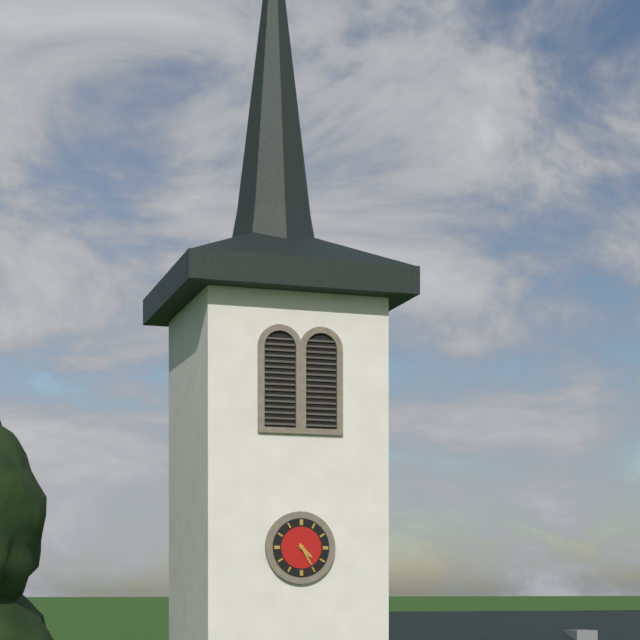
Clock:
4:25
